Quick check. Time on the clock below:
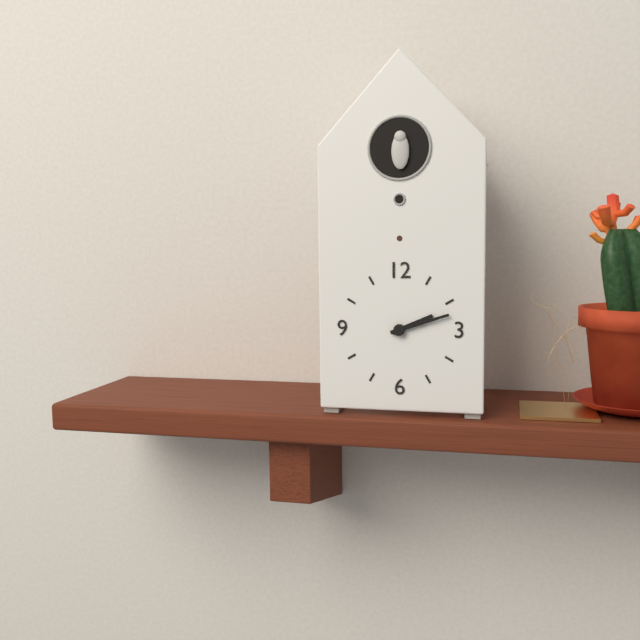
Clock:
2:12
